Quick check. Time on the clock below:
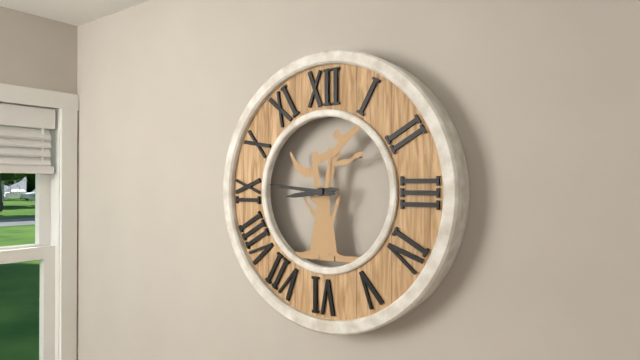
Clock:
8:46
